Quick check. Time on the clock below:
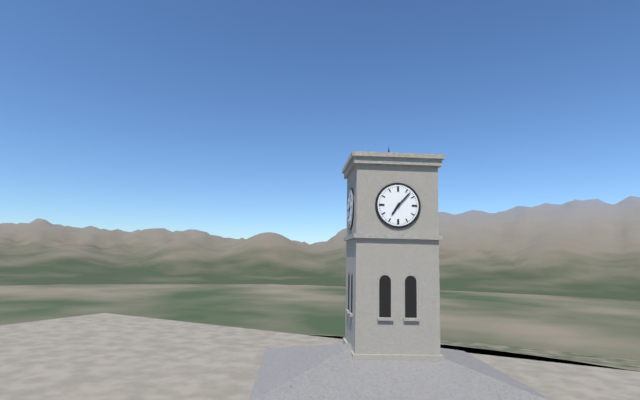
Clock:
7:07
